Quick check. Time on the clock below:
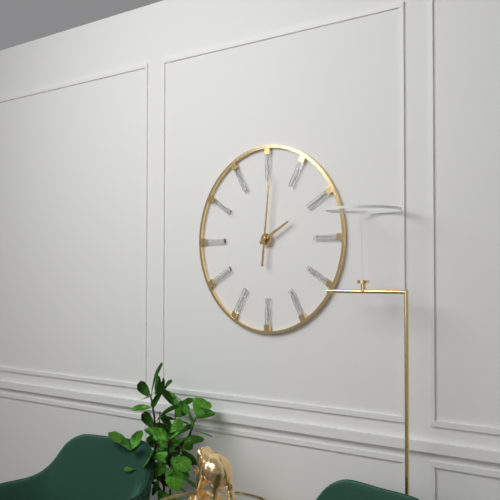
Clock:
2:01
